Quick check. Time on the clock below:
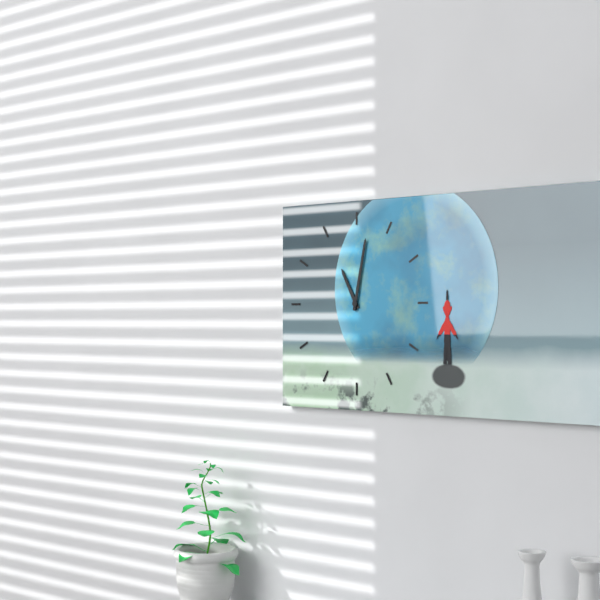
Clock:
11:02
